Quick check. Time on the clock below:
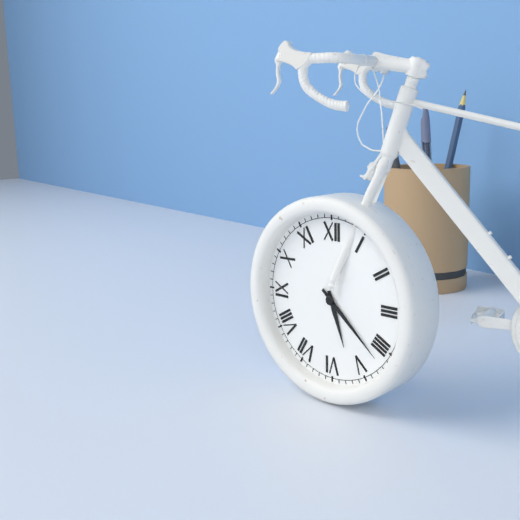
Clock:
5:22
